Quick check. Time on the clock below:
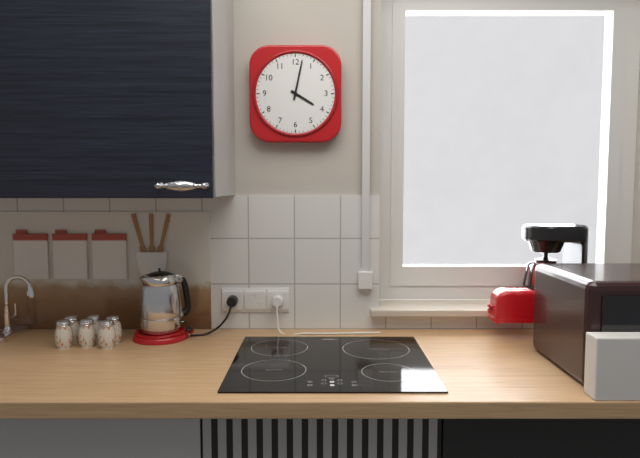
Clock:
4:02
